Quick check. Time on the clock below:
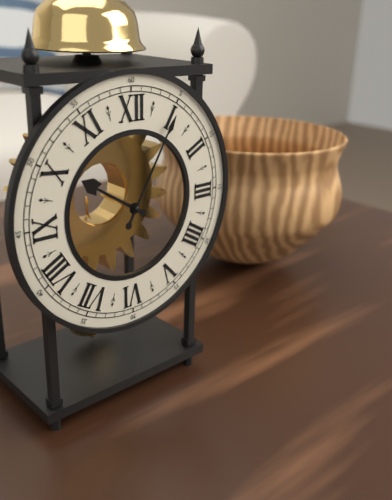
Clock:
10:05
